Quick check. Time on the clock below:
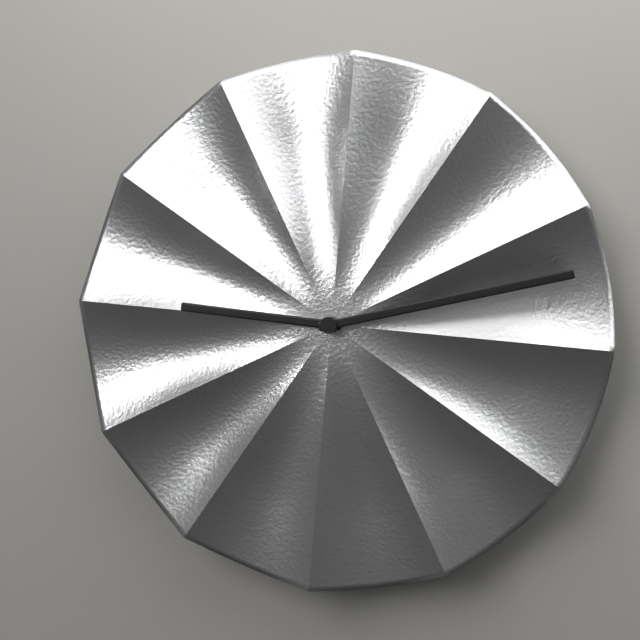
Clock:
9:13
